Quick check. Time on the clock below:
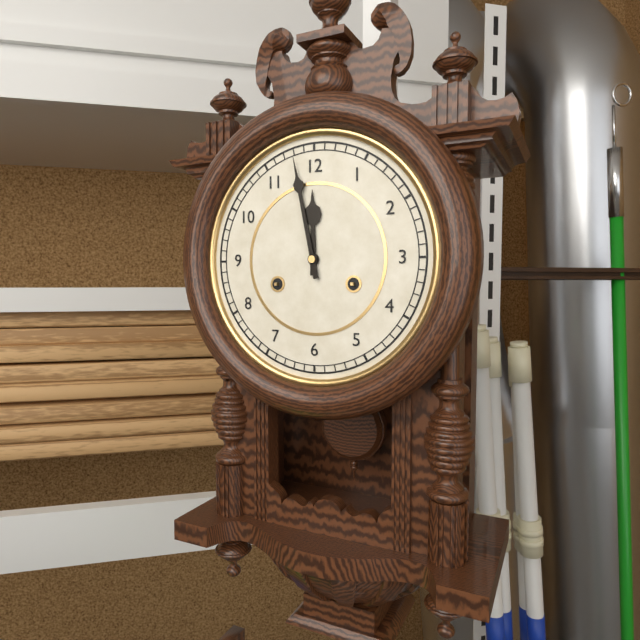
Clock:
11:58
